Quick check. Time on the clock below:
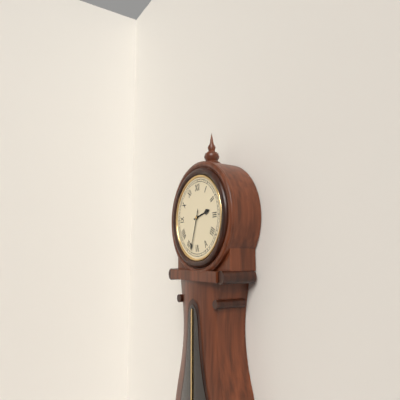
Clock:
2:33
